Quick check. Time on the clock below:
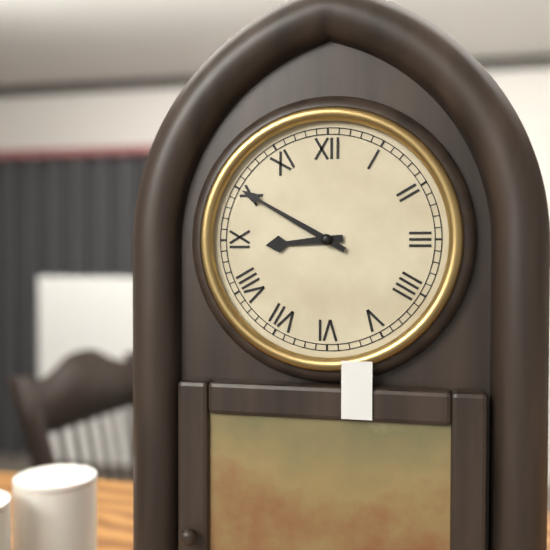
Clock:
8:50
